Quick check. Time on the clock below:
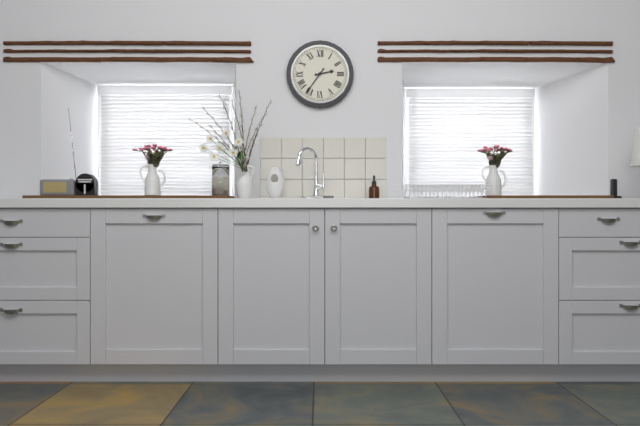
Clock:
2:36
